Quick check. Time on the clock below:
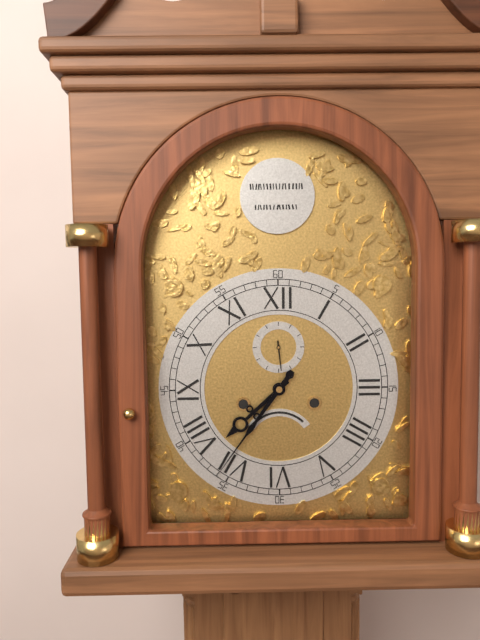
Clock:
7:36
